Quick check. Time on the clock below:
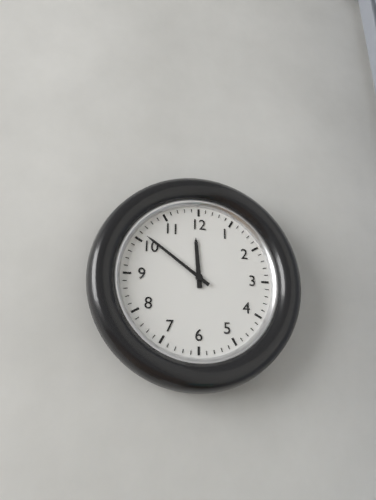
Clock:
11:51
